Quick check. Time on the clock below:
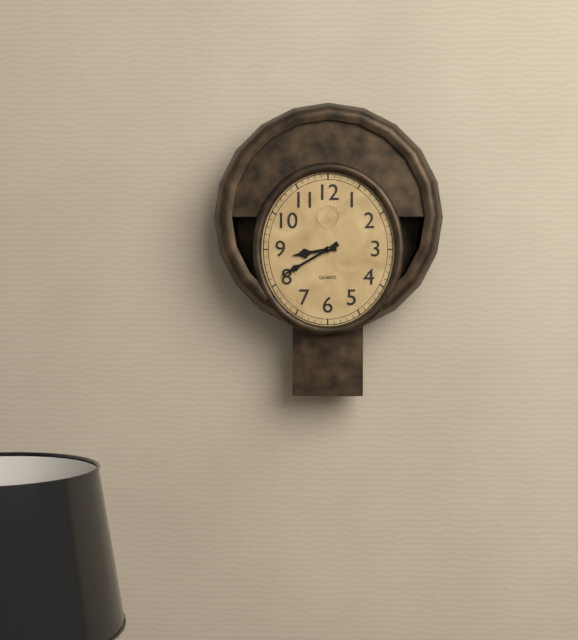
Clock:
8:40
